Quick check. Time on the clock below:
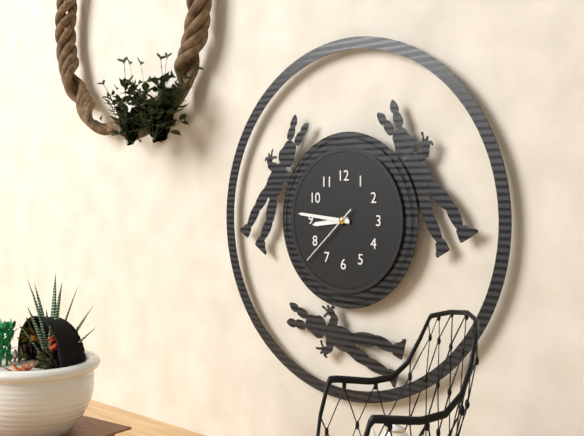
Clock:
8:46:38
